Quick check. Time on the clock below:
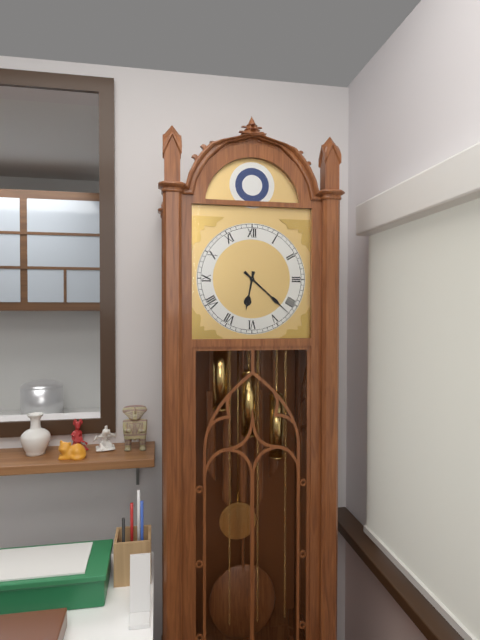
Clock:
6:22
